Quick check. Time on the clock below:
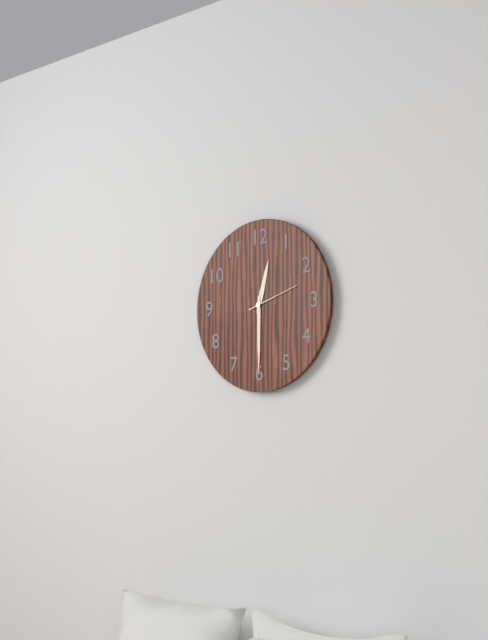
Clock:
12:30:12
